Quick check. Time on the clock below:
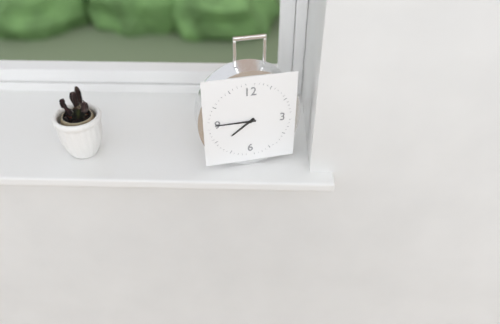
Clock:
7:45
